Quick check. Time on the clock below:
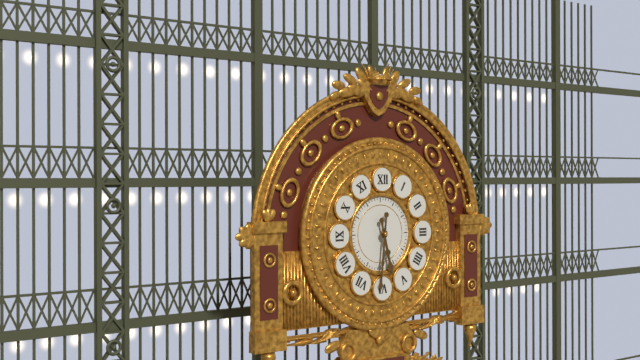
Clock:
5:31
